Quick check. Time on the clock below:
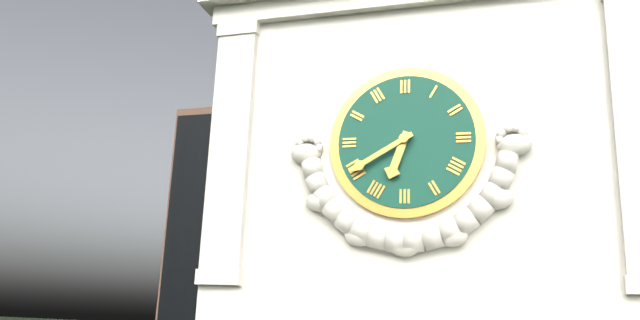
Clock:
6:40
